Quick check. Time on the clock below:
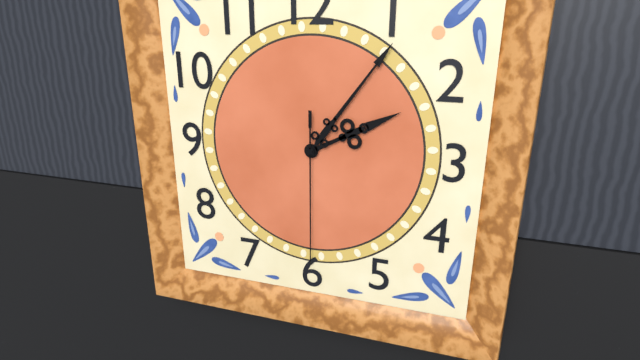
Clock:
2:06:30
